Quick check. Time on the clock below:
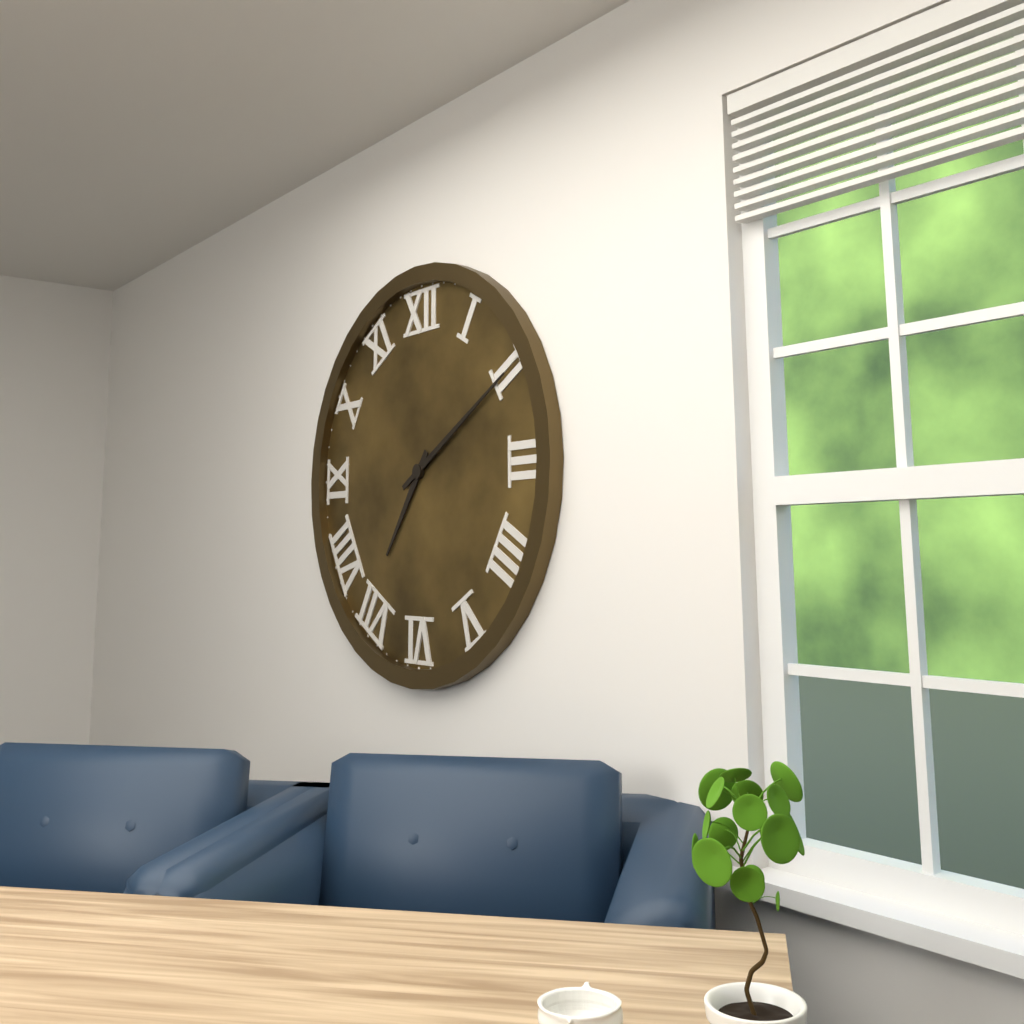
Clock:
7:10
